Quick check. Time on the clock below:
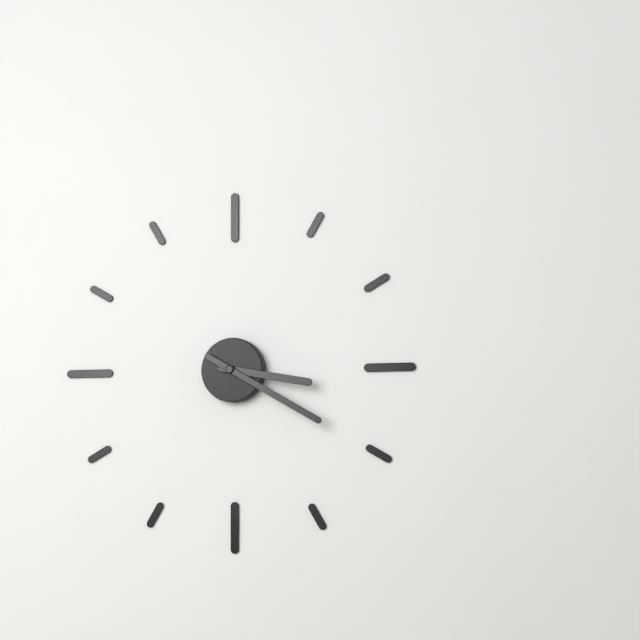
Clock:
3:20
